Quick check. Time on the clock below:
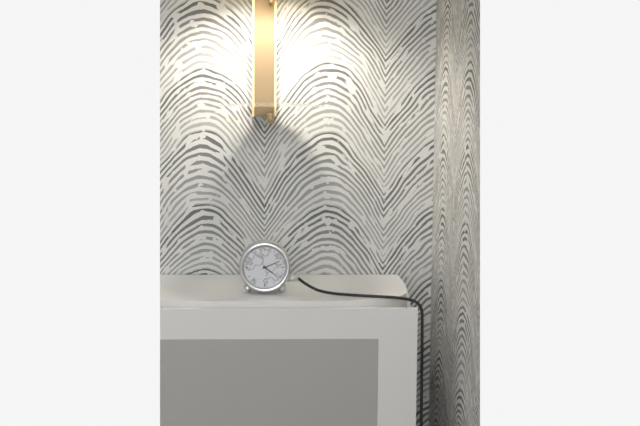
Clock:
4:11
